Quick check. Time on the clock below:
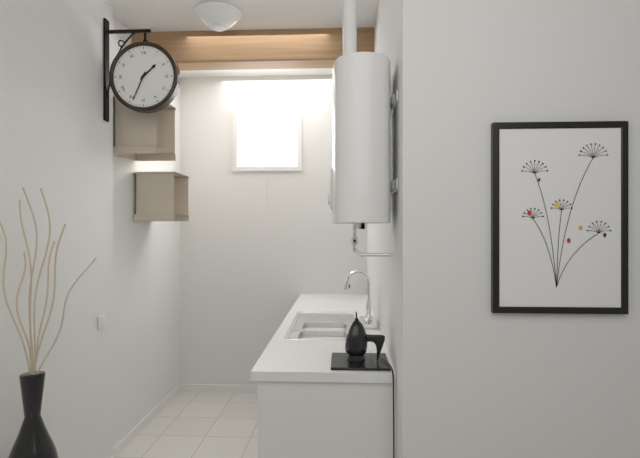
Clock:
1:34
